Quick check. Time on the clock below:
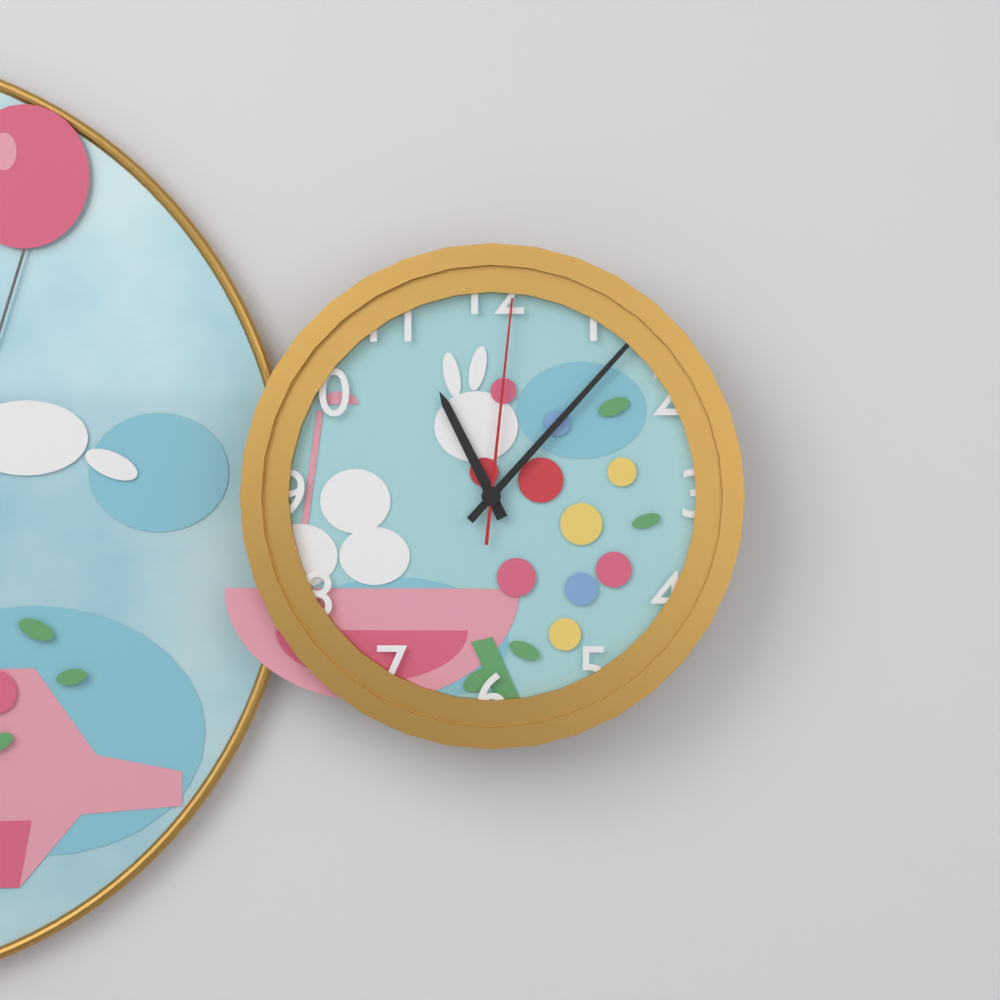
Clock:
11:07:01
